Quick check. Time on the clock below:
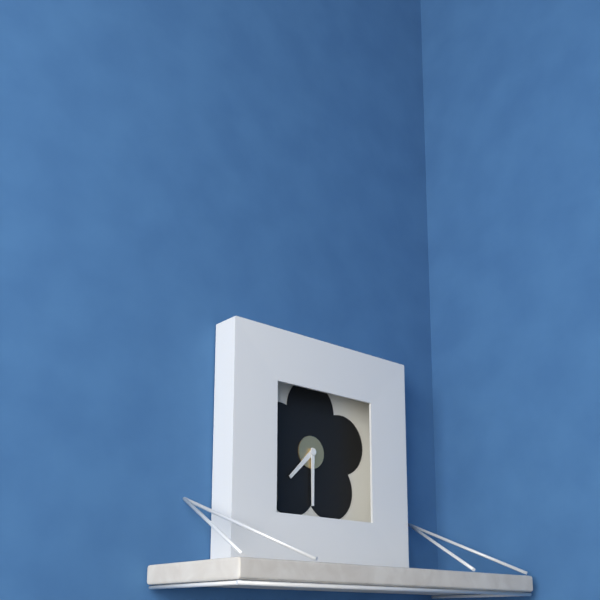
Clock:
7:30
